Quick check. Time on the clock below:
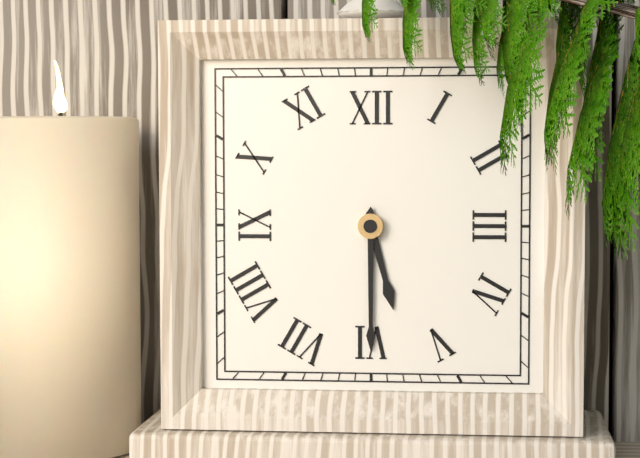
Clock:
5:30
